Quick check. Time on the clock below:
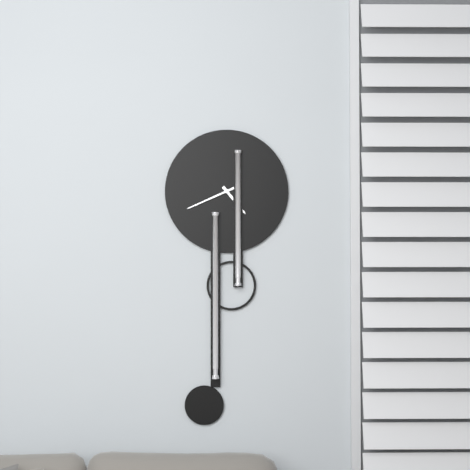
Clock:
4:41
